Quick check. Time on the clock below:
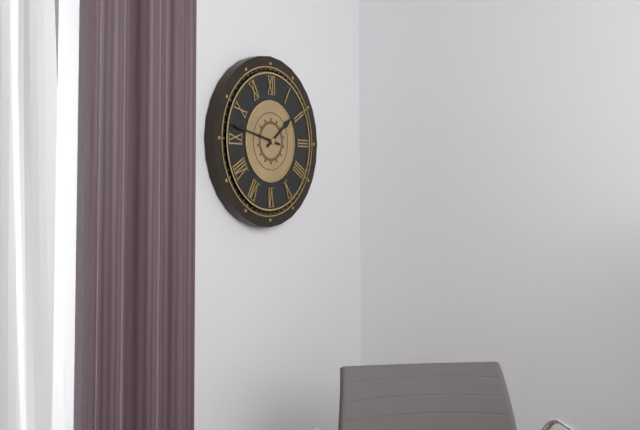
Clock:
1:47
